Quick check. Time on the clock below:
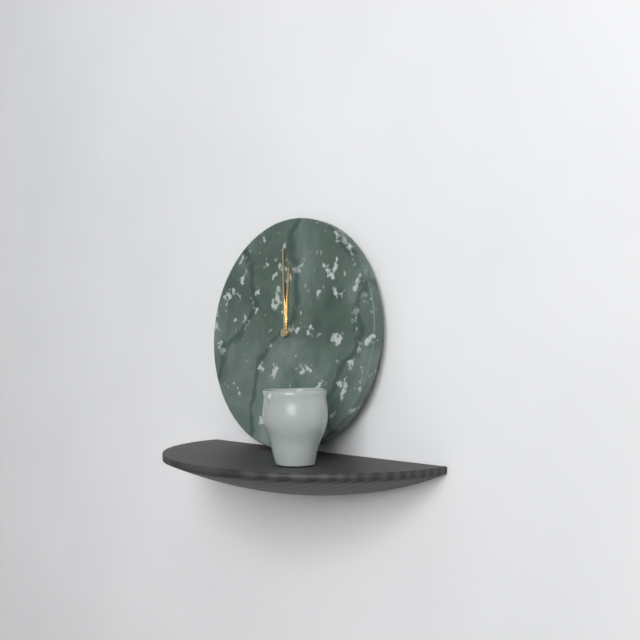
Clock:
11:59
